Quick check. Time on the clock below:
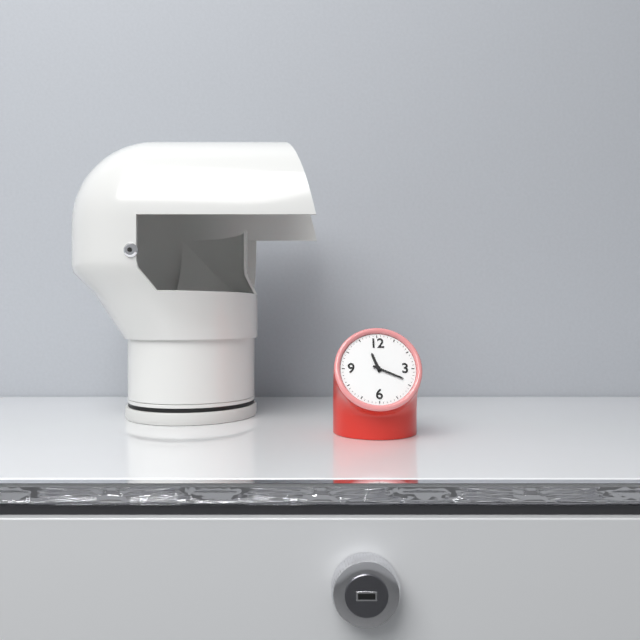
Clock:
11:19
